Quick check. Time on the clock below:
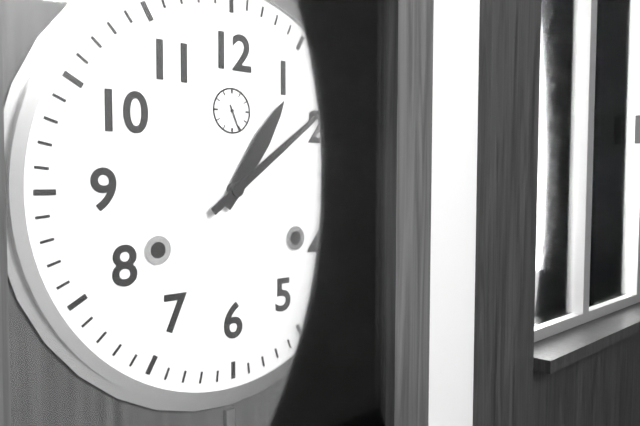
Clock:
1:09
